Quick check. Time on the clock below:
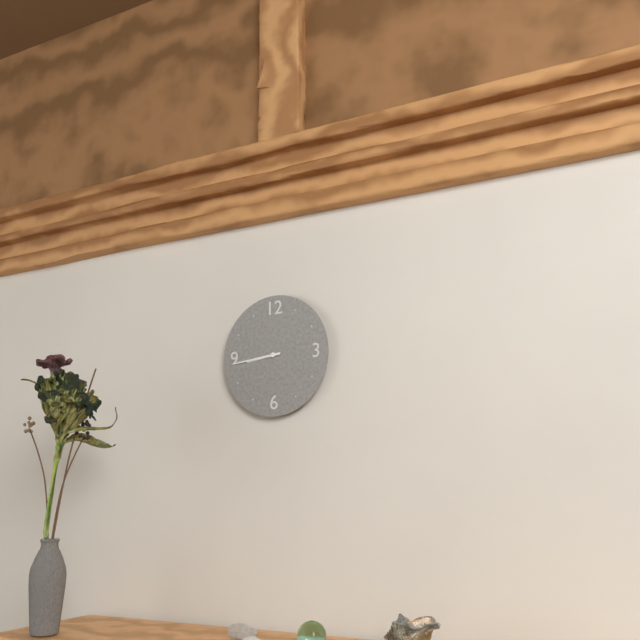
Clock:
8:44
